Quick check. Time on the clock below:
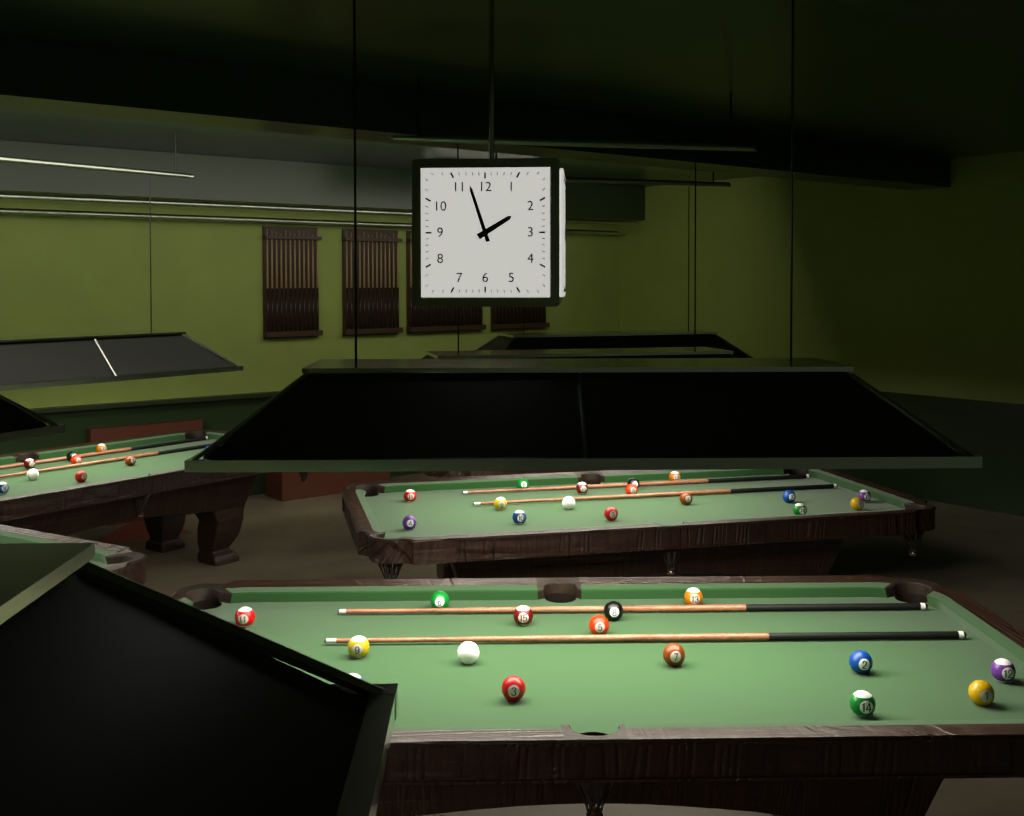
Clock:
1:57
